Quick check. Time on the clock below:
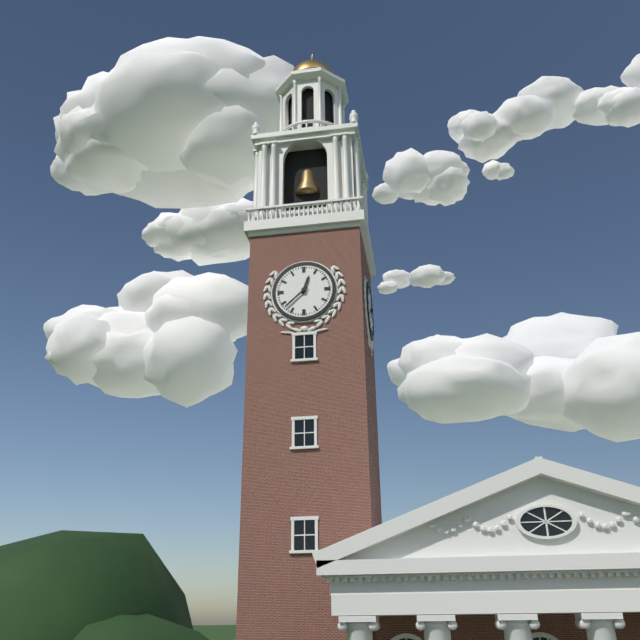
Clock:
12:38
